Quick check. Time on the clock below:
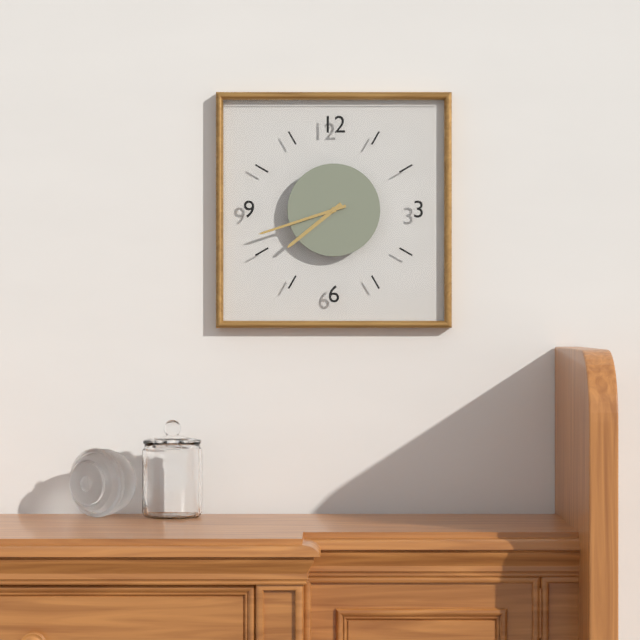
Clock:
7:42
